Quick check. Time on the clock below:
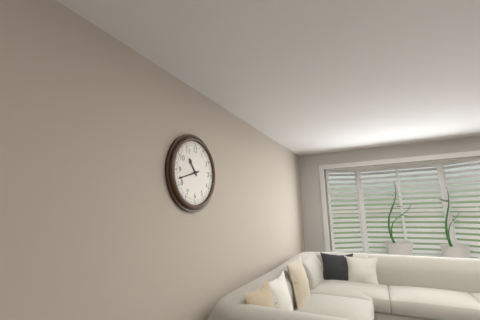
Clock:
10:42
